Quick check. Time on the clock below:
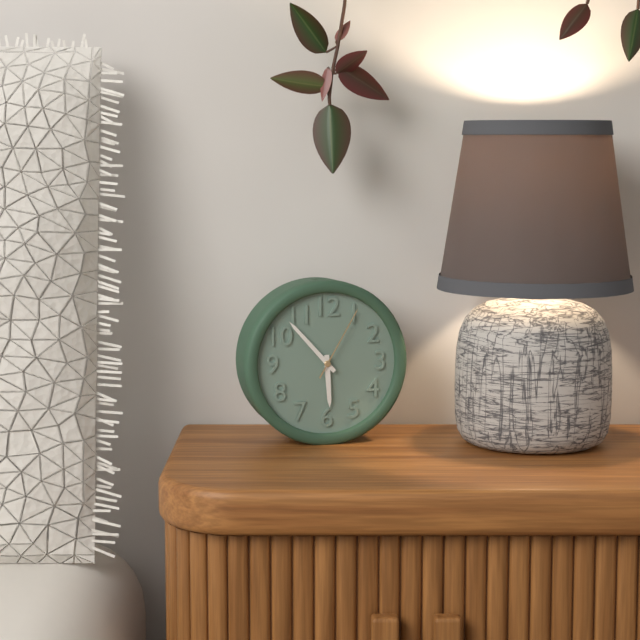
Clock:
5:53:05
